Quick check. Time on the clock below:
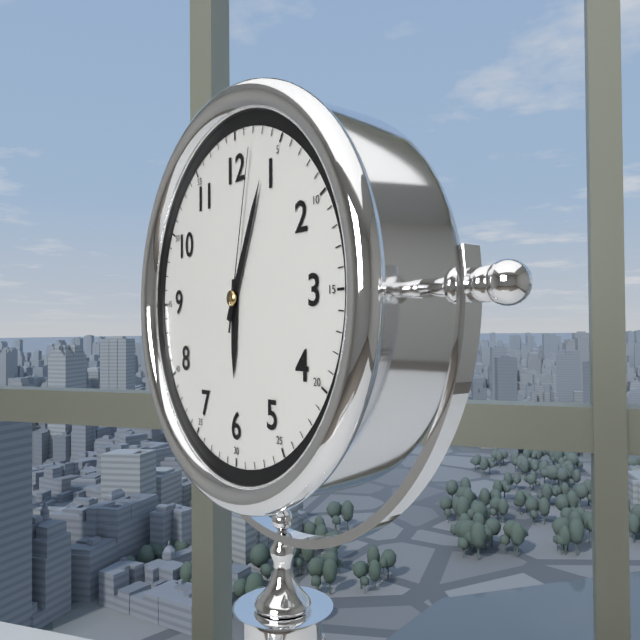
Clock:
6:04:02
